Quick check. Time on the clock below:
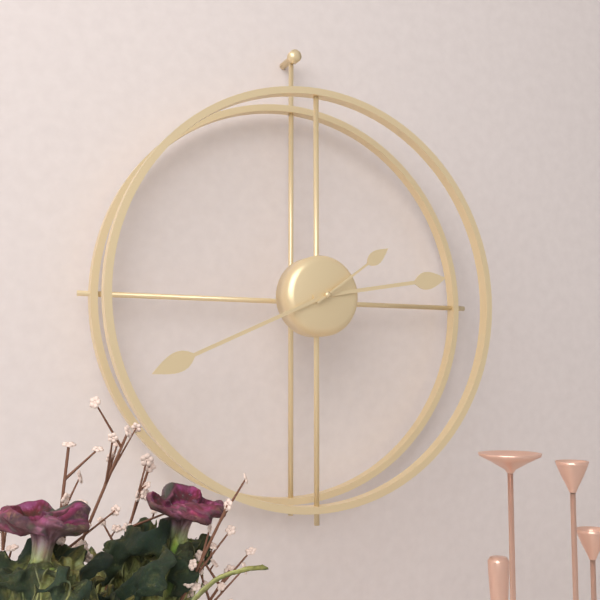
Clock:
2:41:09
